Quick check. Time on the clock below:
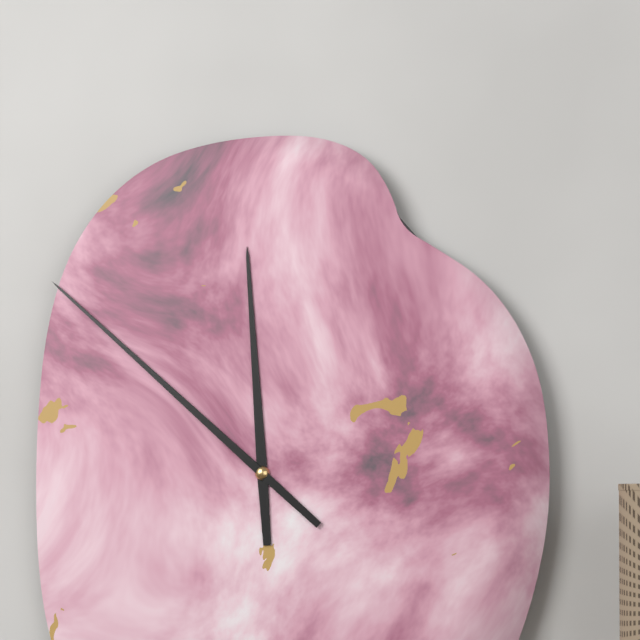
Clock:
11:52
